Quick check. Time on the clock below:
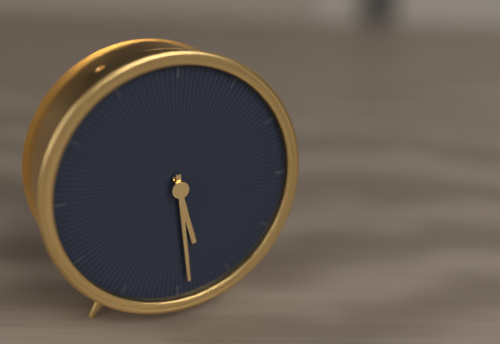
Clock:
5:29
